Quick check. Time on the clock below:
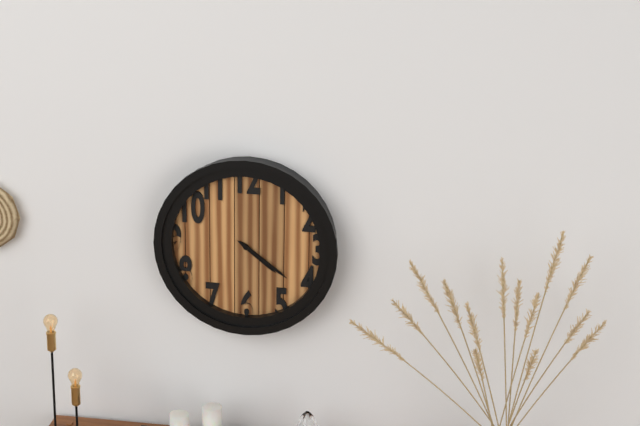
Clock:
4:21
